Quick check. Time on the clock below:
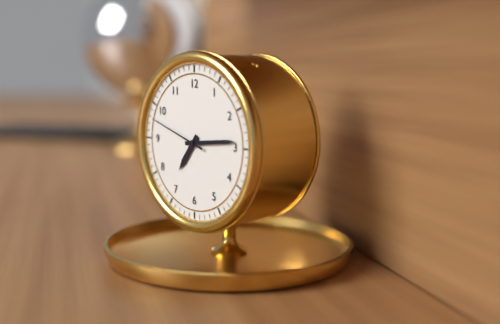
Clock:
7:14:48
